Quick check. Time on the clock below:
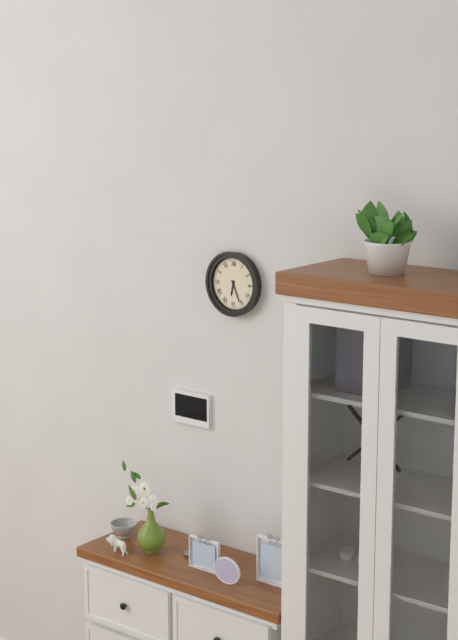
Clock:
6:26
